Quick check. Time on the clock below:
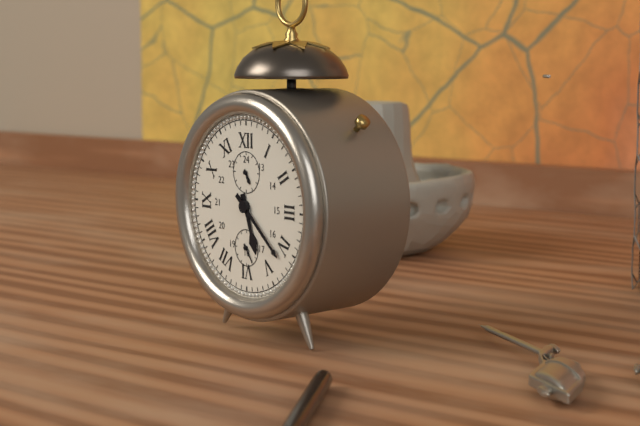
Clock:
5:22:24
